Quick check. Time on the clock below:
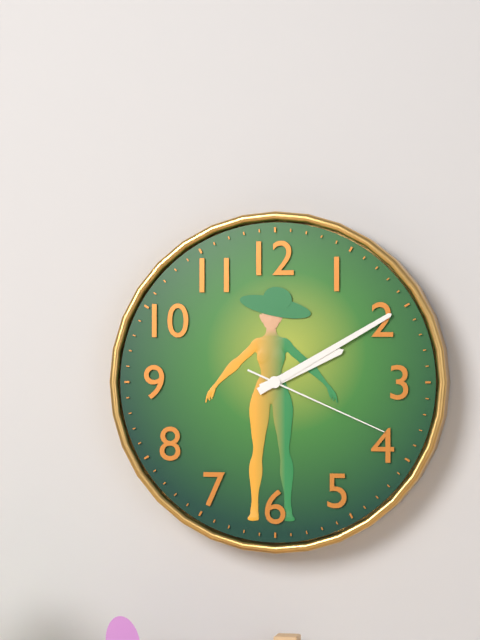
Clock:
2:10:19
